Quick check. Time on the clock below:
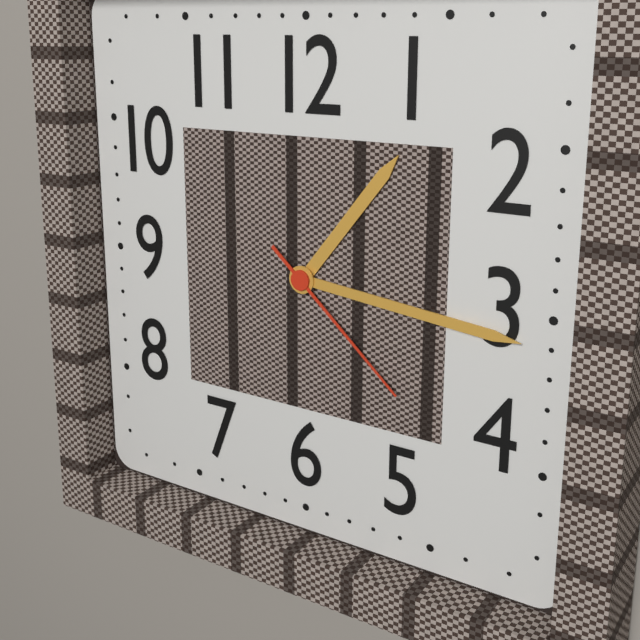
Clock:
1:16:22
